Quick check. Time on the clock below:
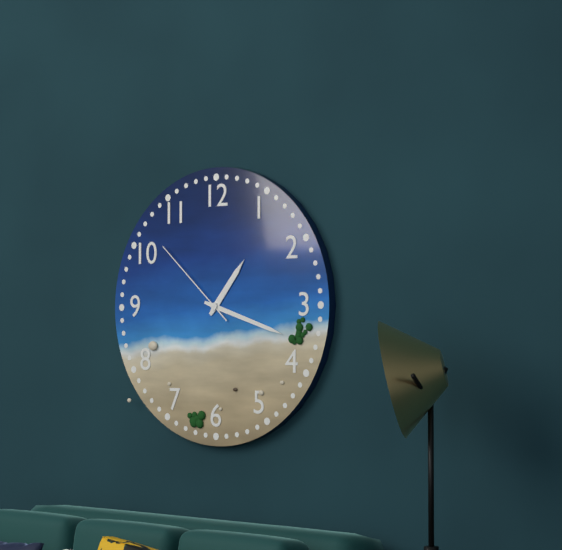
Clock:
1:18:52
